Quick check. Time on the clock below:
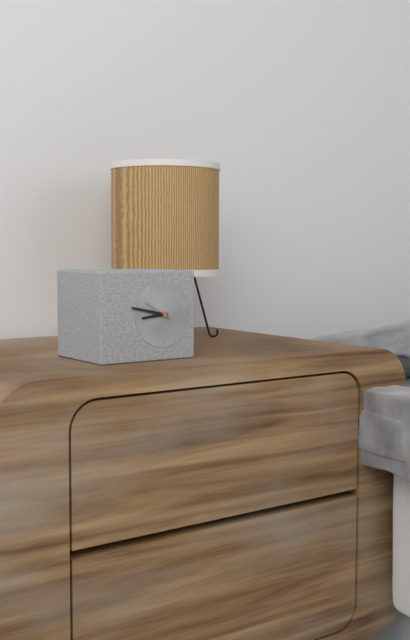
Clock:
8:47
